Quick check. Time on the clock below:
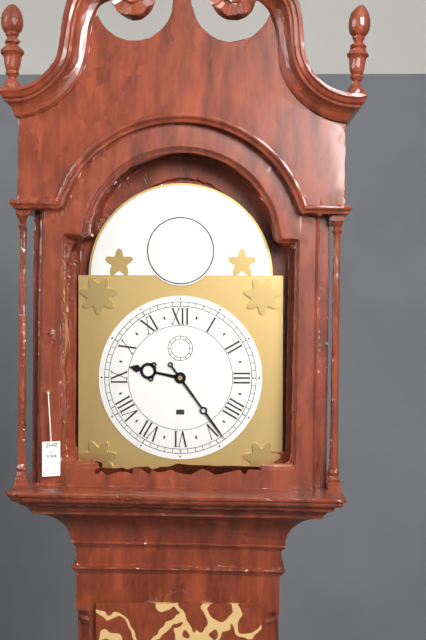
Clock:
9:24
